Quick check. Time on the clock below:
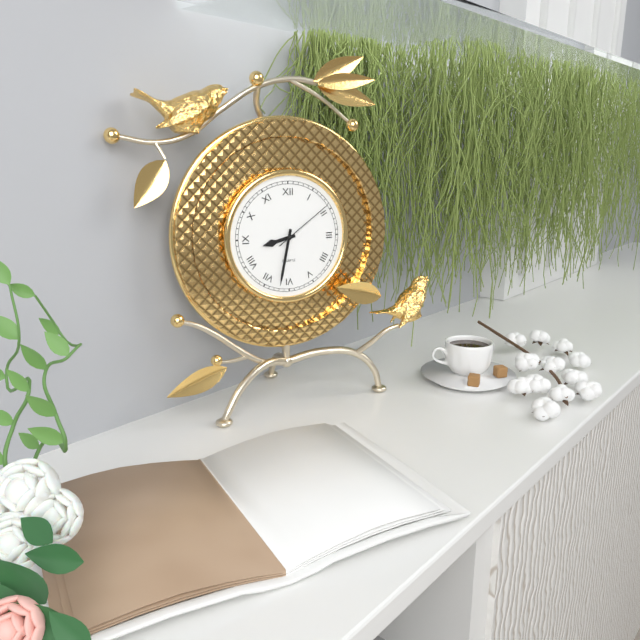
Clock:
8:32:09
